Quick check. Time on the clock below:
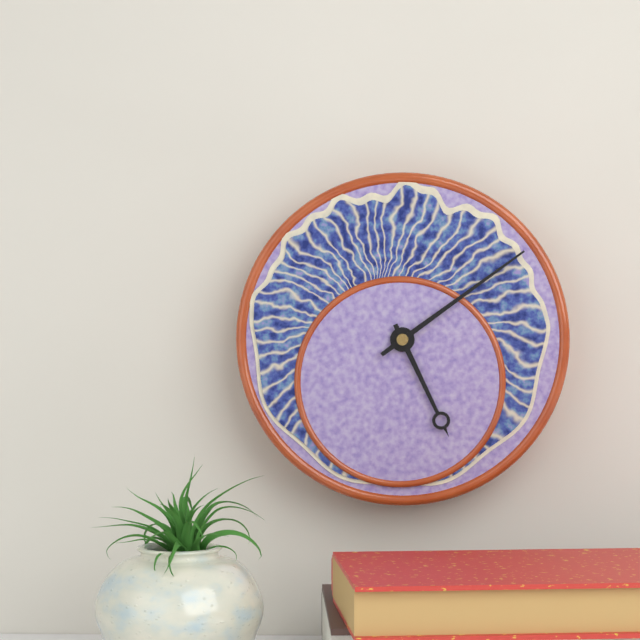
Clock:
5:09
